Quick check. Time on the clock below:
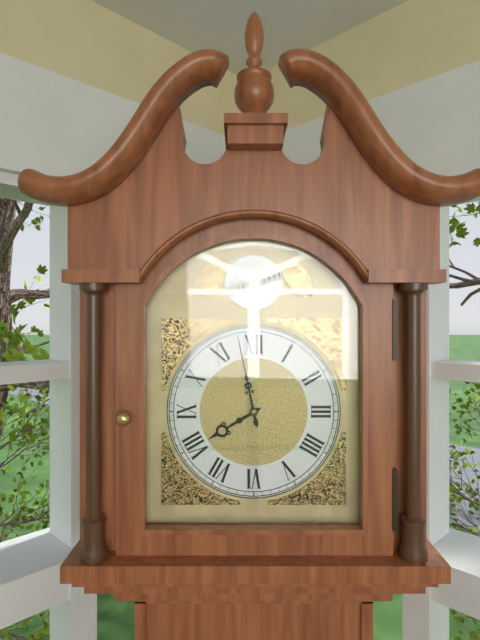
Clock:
7:58
